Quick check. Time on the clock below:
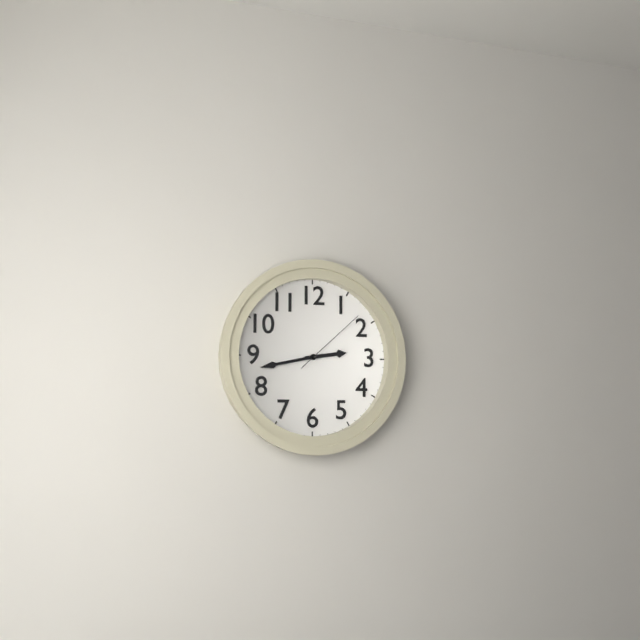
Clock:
2:43:08
